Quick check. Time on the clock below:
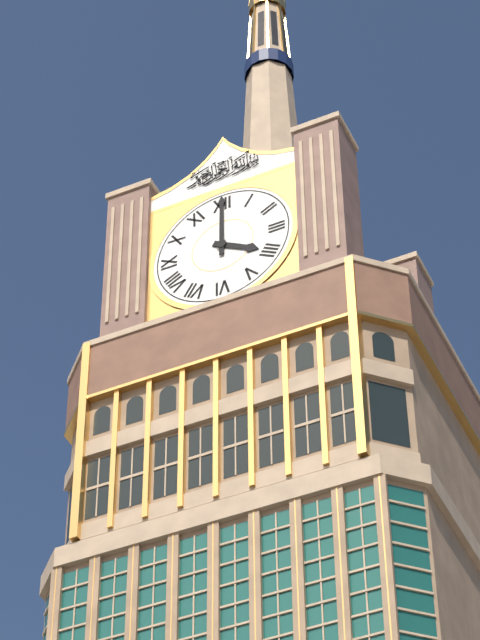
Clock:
4:00
